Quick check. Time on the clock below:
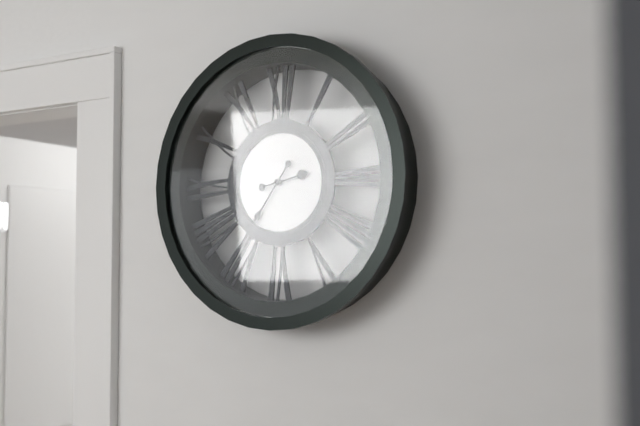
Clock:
2:36
